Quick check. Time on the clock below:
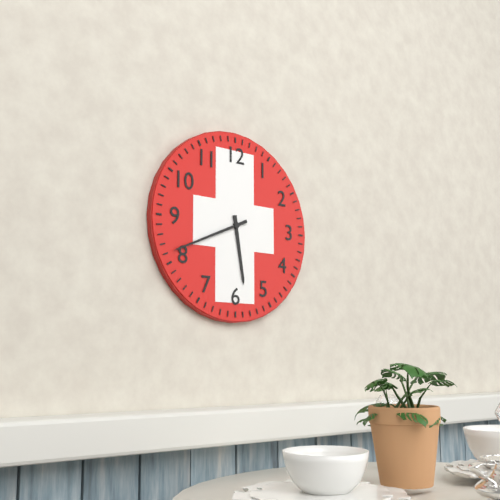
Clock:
5:41
